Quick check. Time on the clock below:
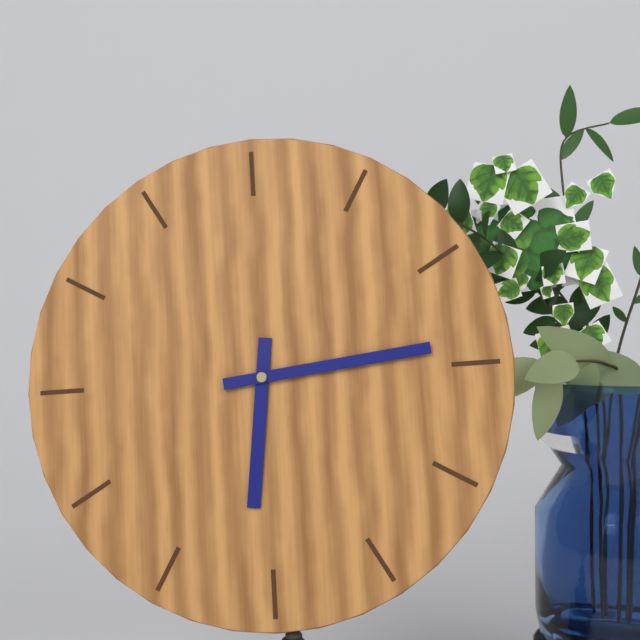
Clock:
6:14
